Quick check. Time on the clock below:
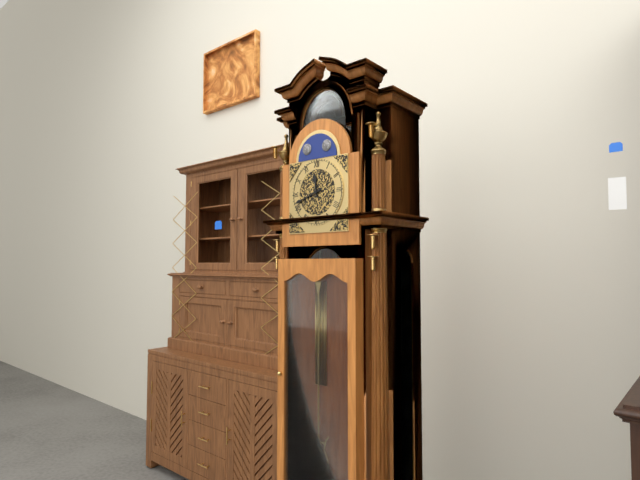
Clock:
11:42
